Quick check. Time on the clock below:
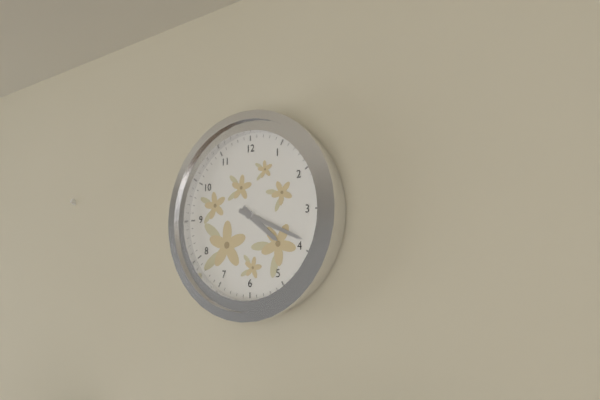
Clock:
4:19
